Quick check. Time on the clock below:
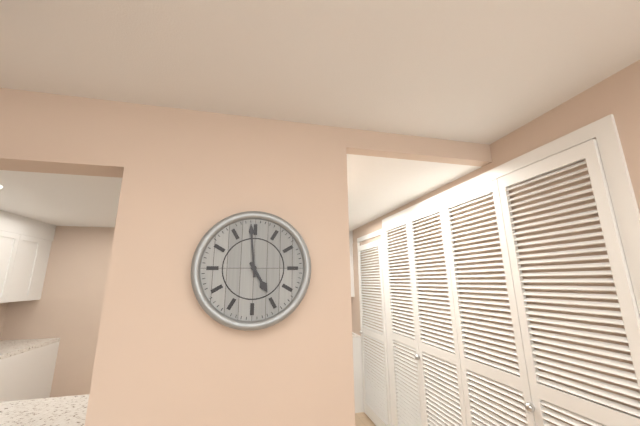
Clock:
4:59
